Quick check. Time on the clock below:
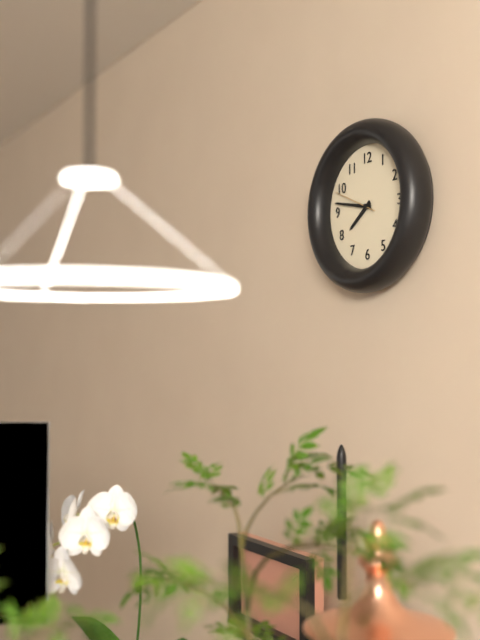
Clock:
7:47
